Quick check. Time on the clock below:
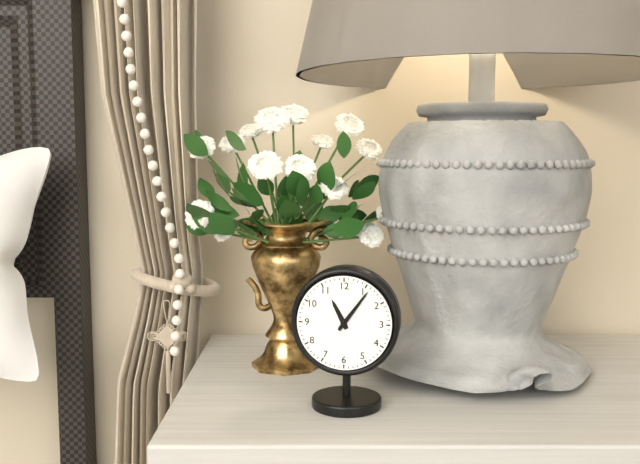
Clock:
11:06
